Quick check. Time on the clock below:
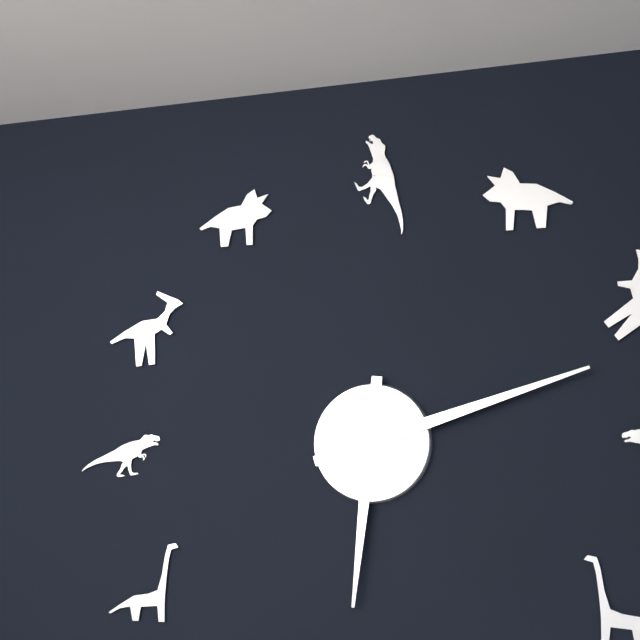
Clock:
6:12
